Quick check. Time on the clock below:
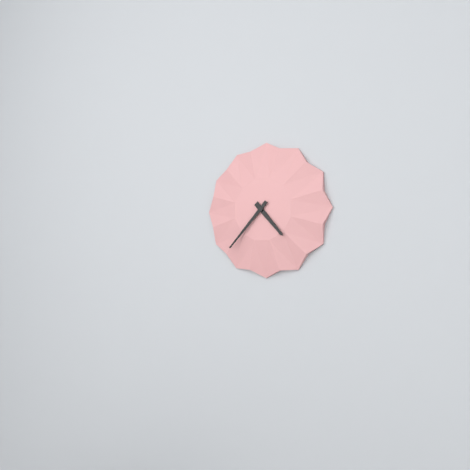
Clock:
4:37
